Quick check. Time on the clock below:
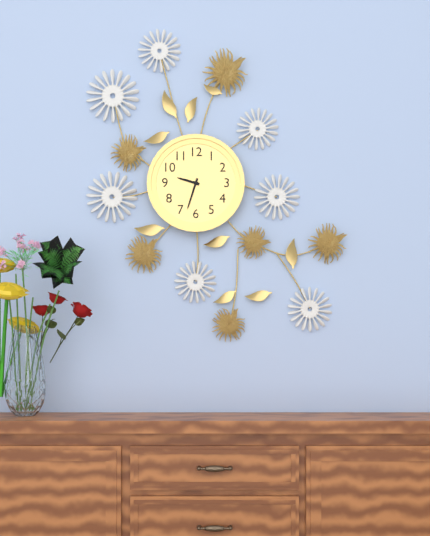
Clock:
9:33
